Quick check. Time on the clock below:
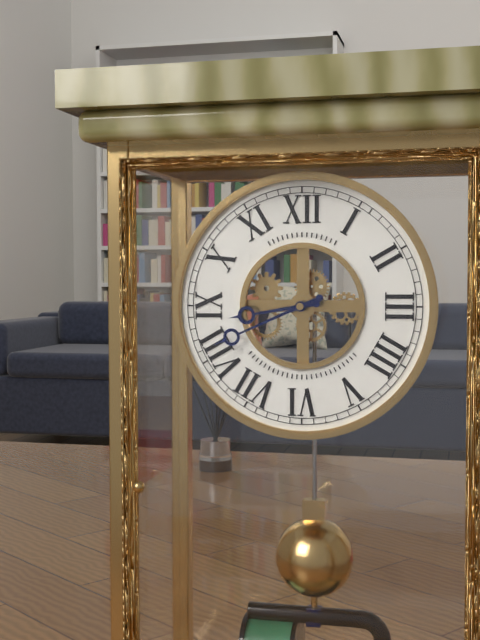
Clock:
8:41
